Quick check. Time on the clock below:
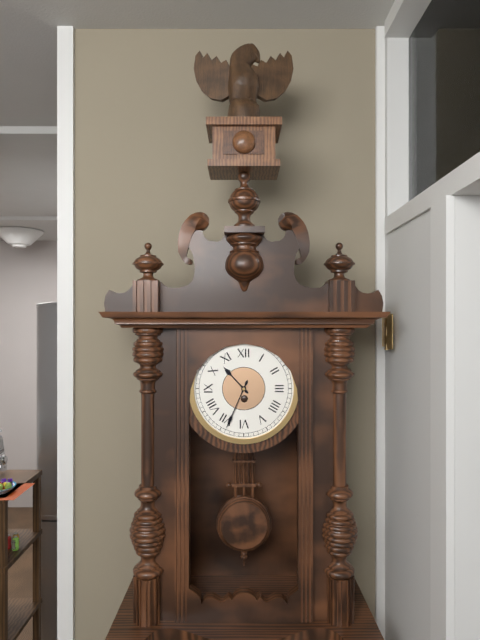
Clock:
10:34
